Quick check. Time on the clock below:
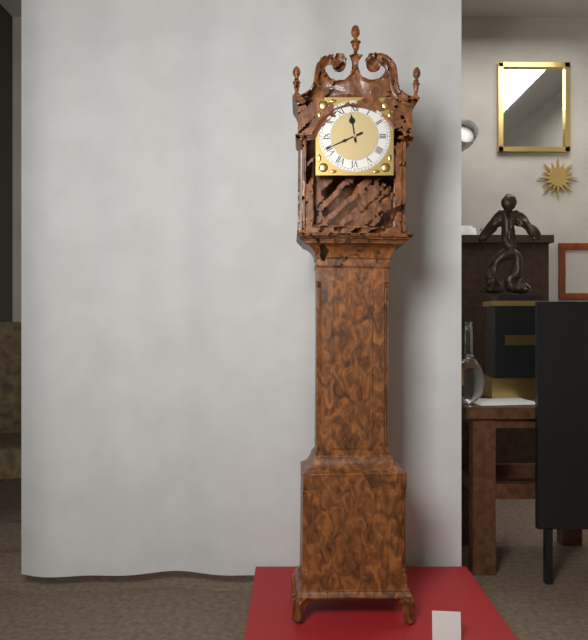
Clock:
11:41
